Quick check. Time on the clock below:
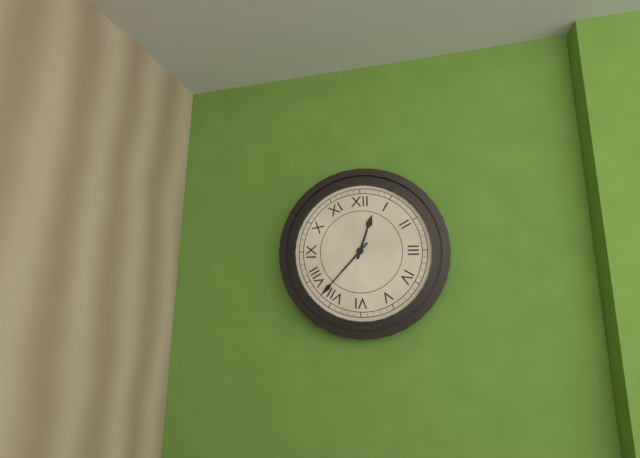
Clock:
12:37
